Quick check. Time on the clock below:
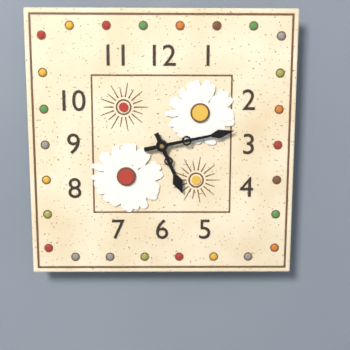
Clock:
5:13
